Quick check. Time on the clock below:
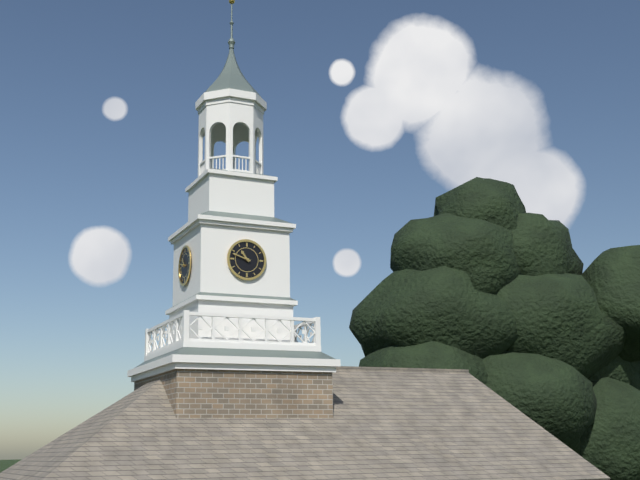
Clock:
10:48
